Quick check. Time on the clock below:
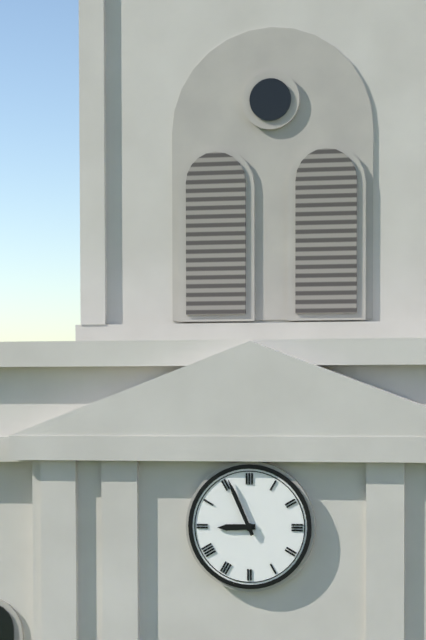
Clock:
8:56
